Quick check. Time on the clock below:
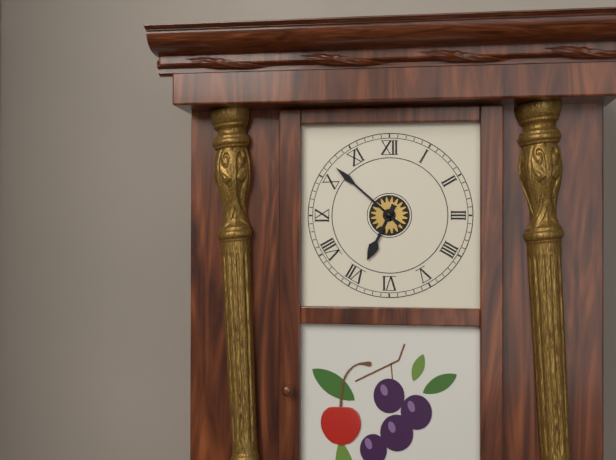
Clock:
6:52
